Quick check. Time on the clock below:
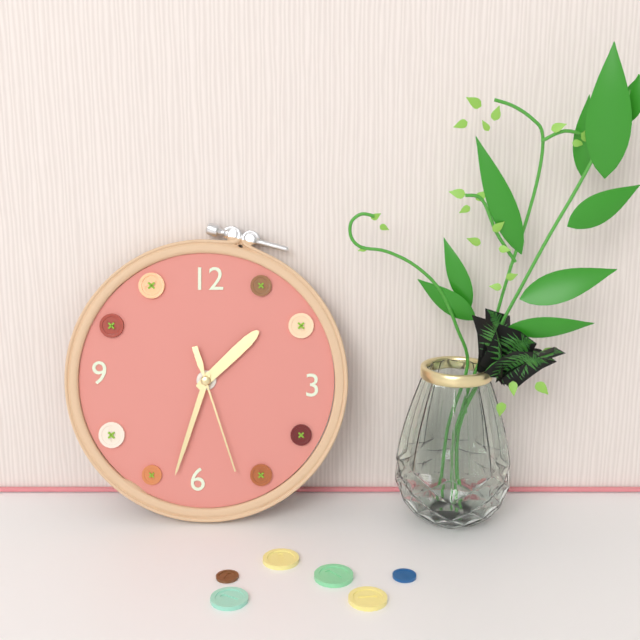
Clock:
1:33:27
